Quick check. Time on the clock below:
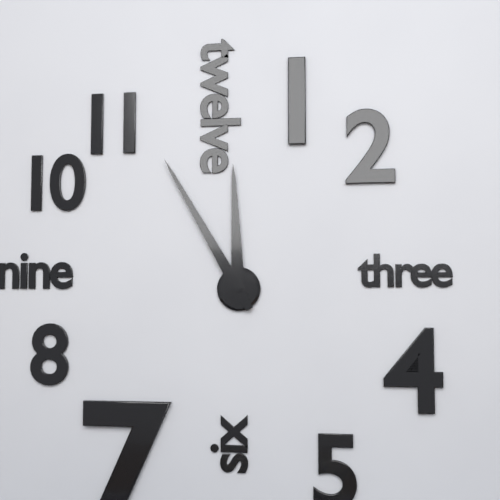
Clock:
11:55
